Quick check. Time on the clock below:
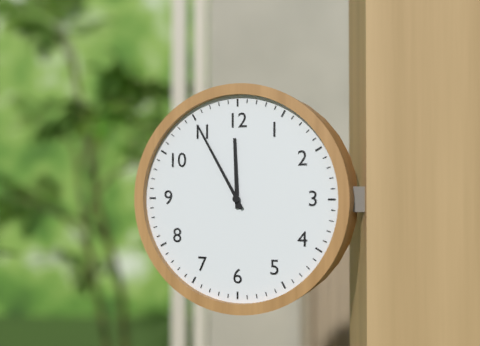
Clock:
11:55
